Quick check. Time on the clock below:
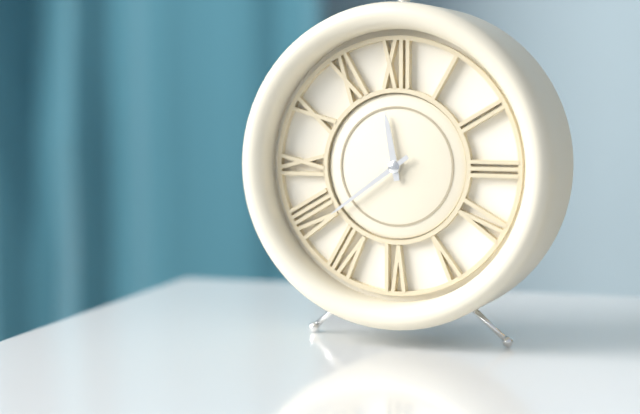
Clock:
11:39
